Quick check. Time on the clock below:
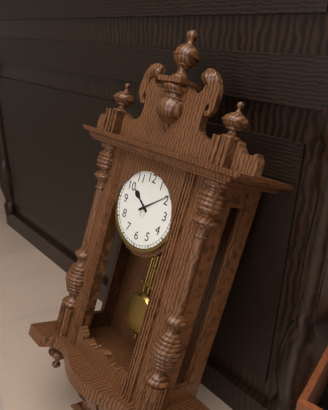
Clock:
10:09
